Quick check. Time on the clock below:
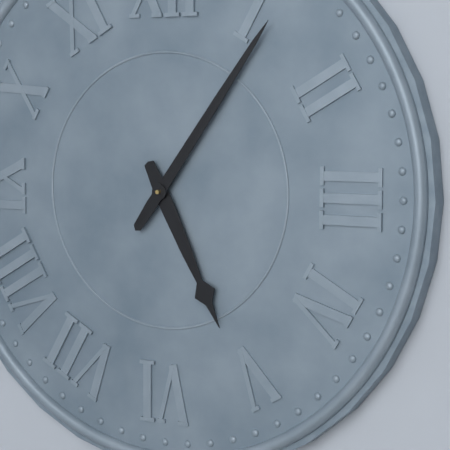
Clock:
5:06
